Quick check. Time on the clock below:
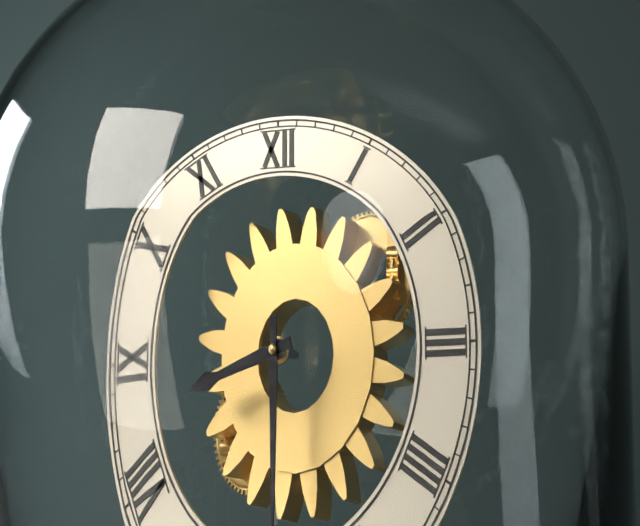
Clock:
8:30
